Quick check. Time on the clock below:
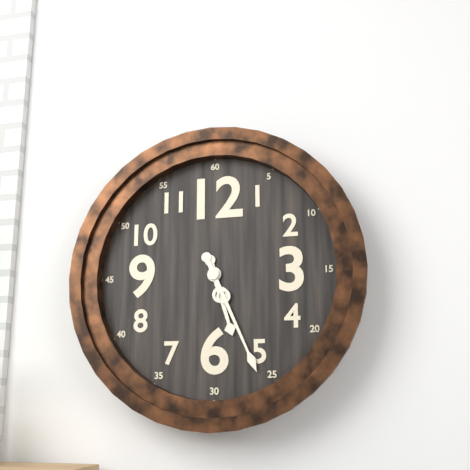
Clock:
5:26
